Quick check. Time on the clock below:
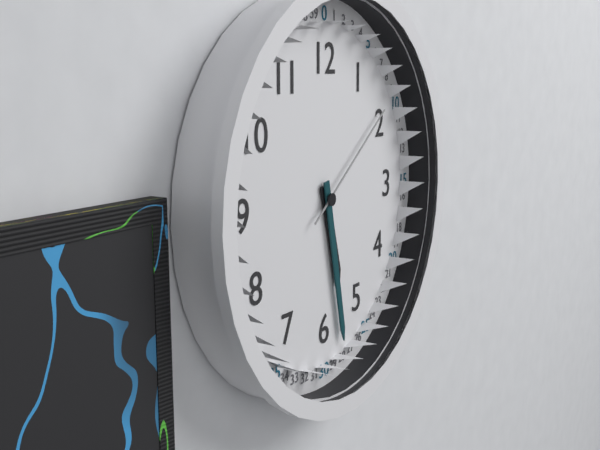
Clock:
5:28:09
